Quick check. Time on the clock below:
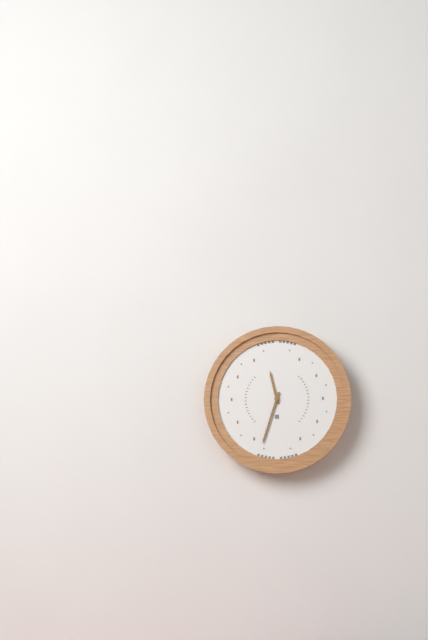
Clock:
11:33
